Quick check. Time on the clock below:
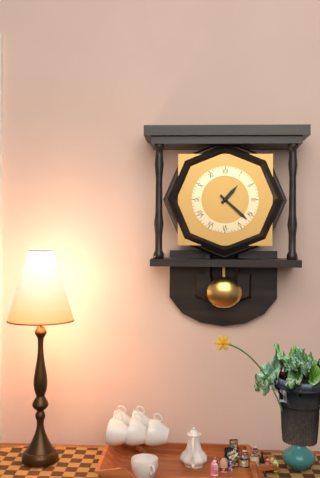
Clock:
1:22
